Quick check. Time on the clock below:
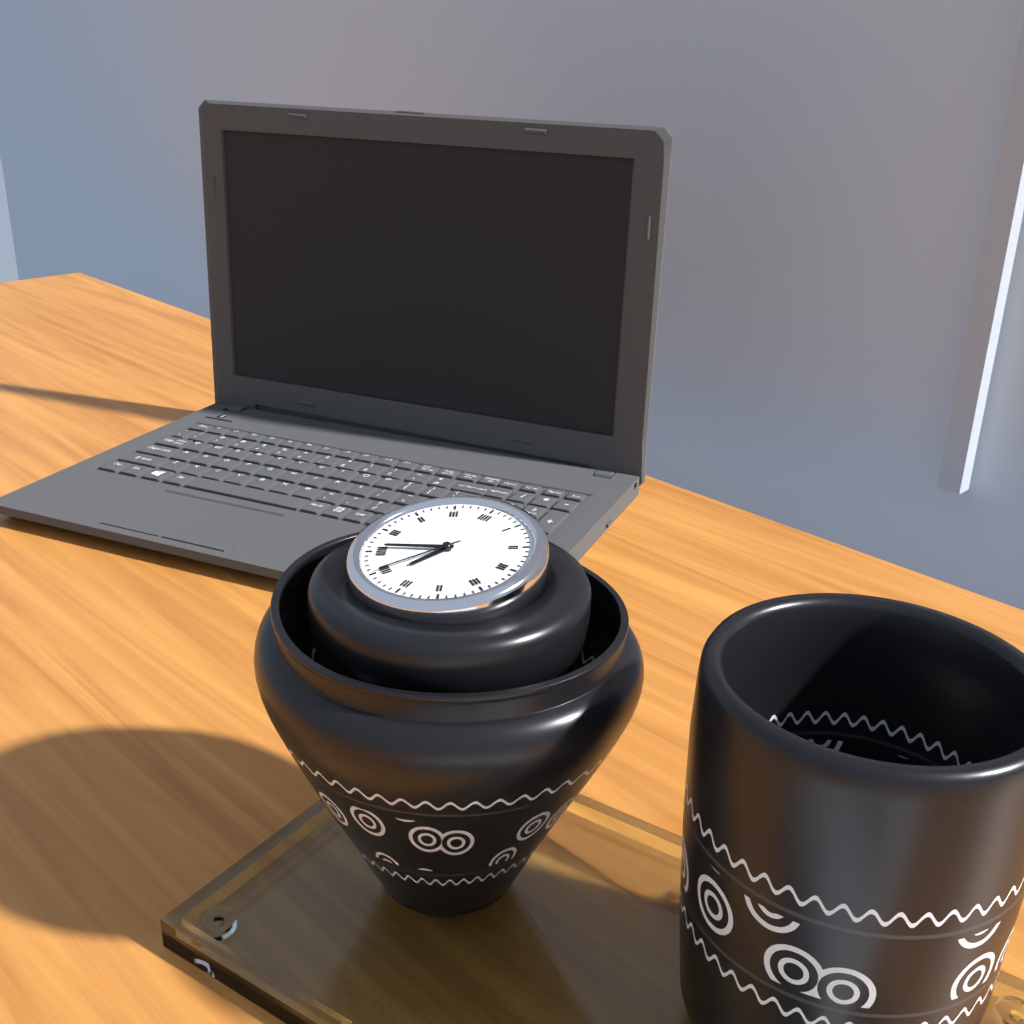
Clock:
6:41:35
